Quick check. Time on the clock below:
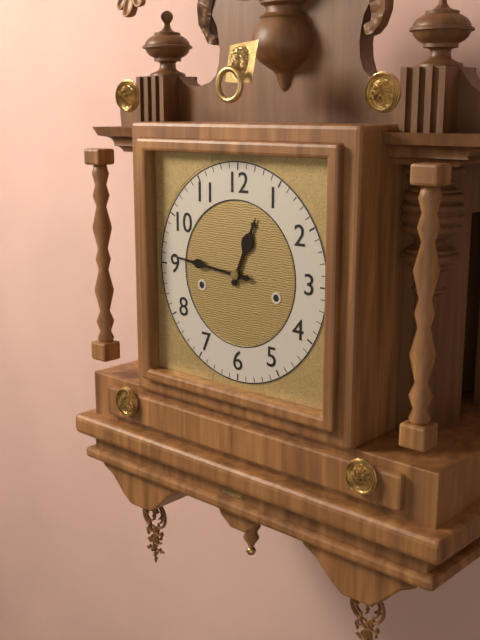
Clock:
12:46
